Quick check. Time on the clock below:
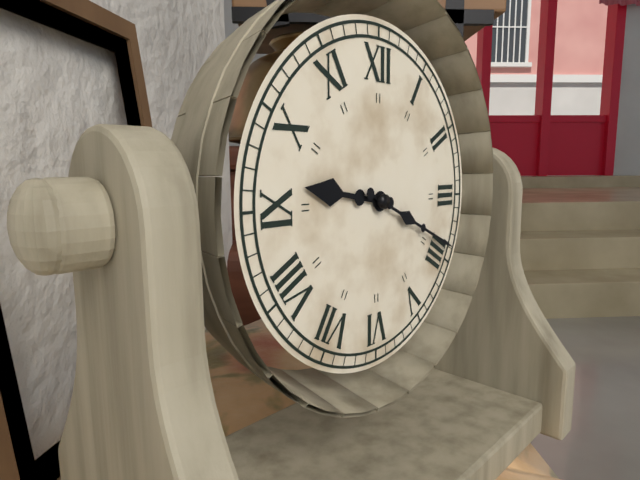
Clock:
9:19
